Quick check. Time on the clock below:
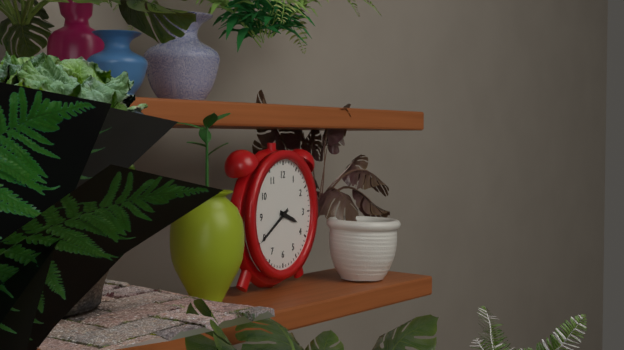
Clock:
3:40
